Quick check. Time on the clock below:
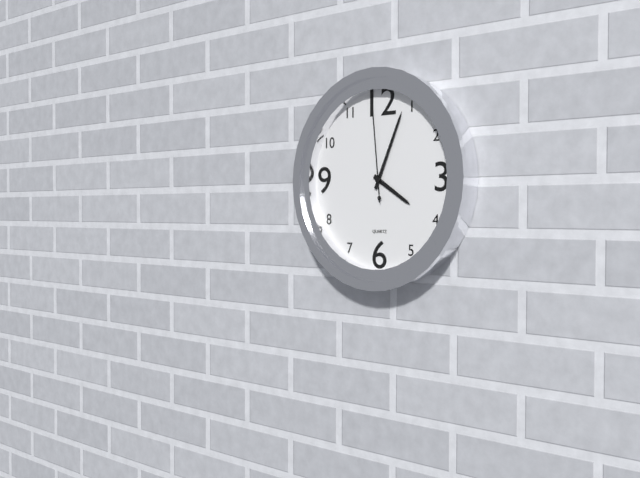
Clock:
4:04:59
